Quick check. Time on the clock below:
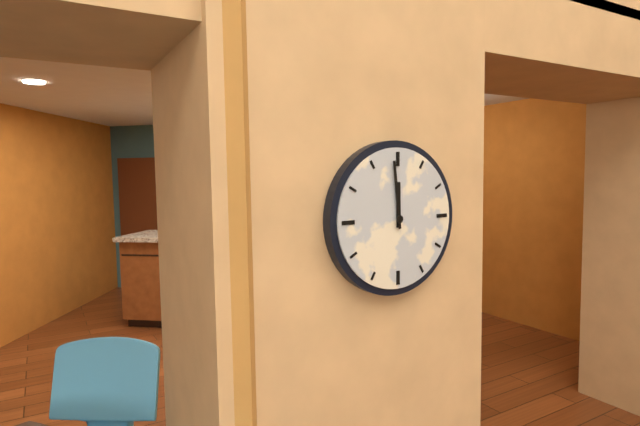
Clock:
11:59
